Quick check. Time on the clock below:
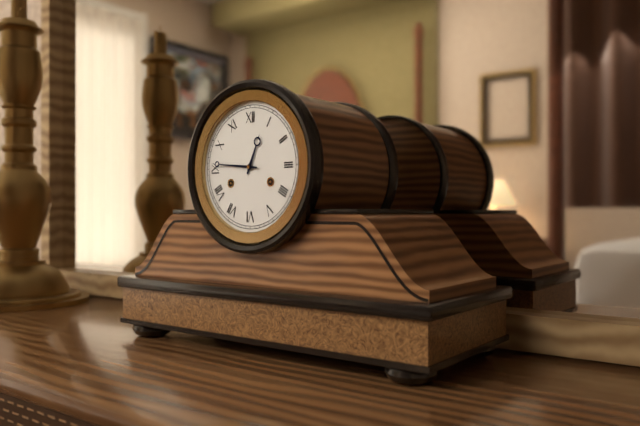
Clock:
12:46
